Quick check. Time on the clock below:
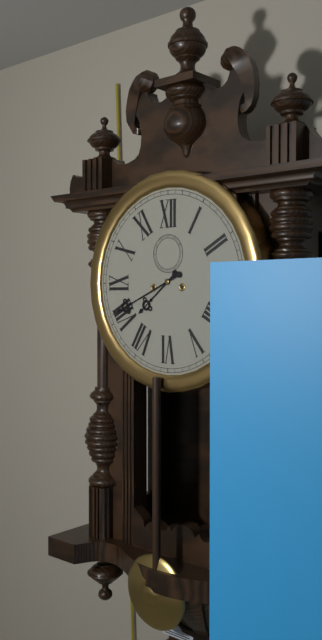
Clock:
7:41
